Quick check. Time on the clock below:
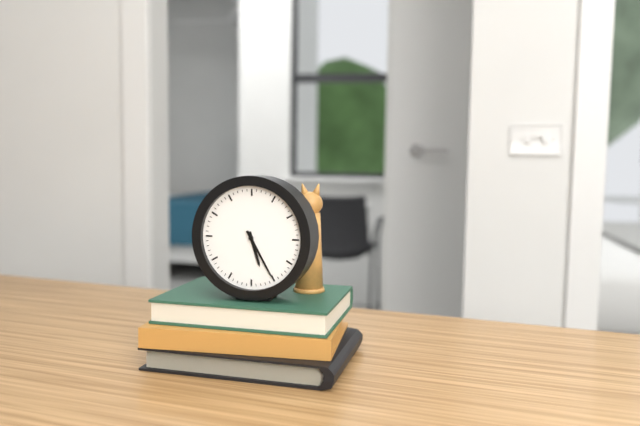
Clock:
5:25
